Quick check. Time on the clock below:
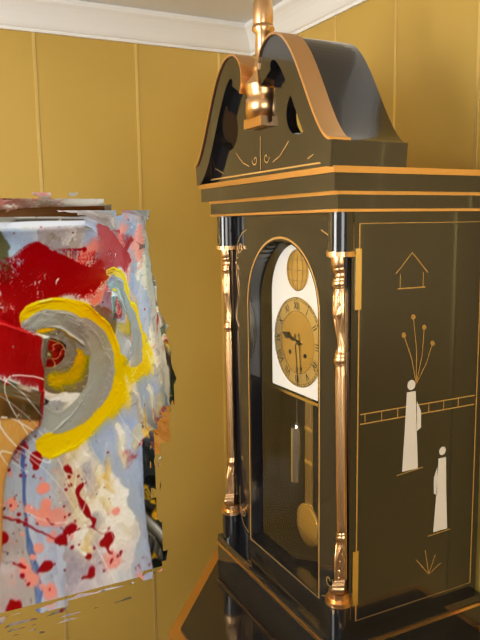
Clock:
9:29
